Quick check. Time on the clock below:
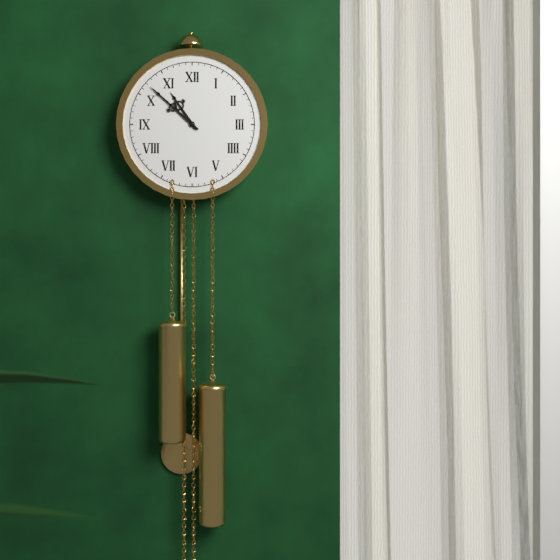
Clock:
10:52
